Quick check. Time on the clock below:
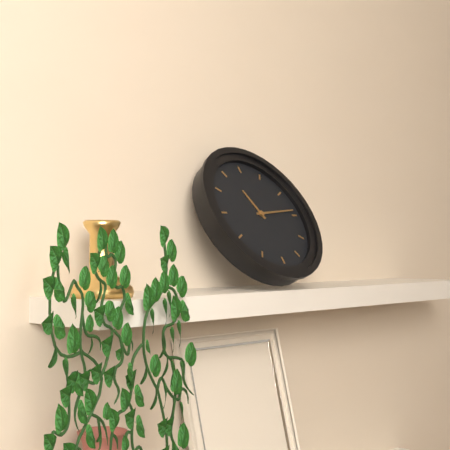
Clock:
11:14
